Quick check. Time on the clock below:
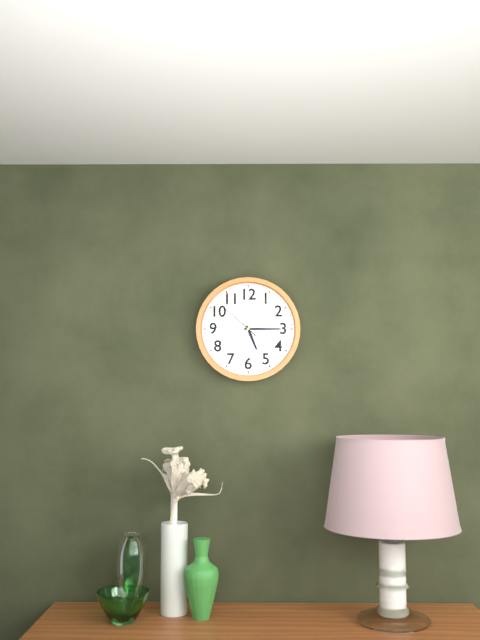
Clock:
5:15
